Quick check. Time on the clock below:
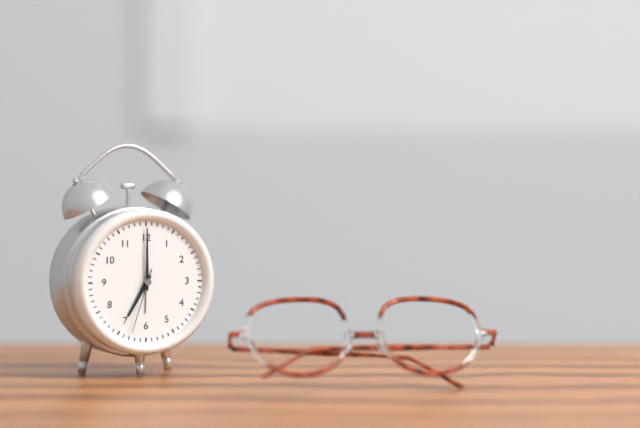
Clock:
7:00:33
